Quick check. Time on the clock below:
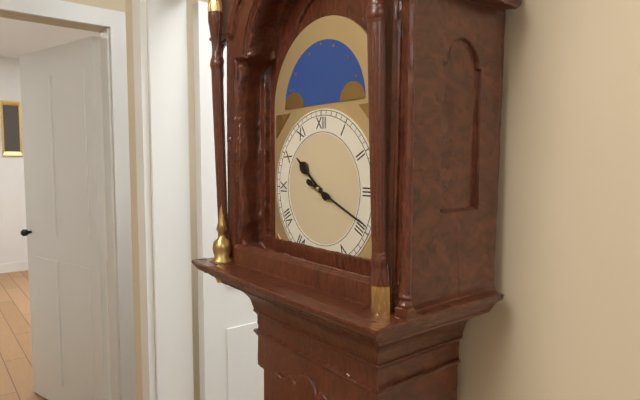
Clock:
10:19
